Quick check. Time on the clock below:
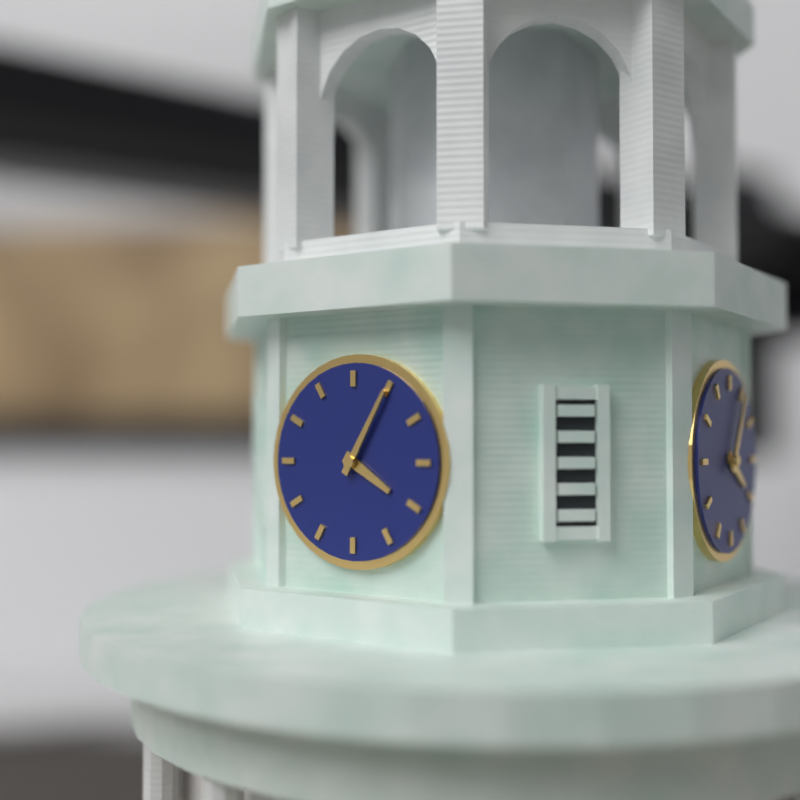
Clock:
4:05
